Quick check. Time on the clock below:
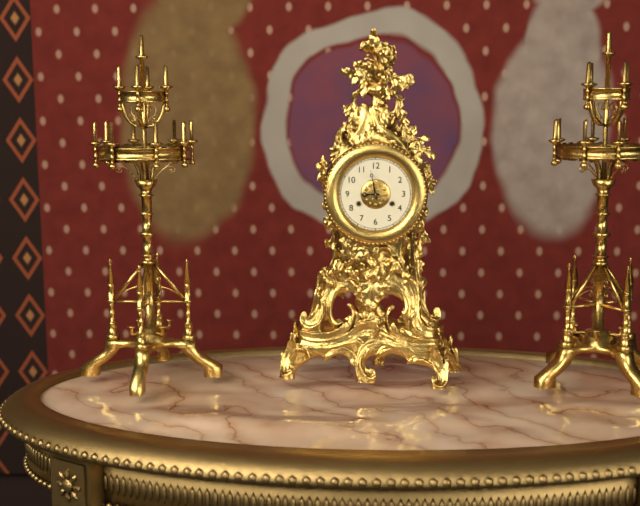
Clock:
8:58
